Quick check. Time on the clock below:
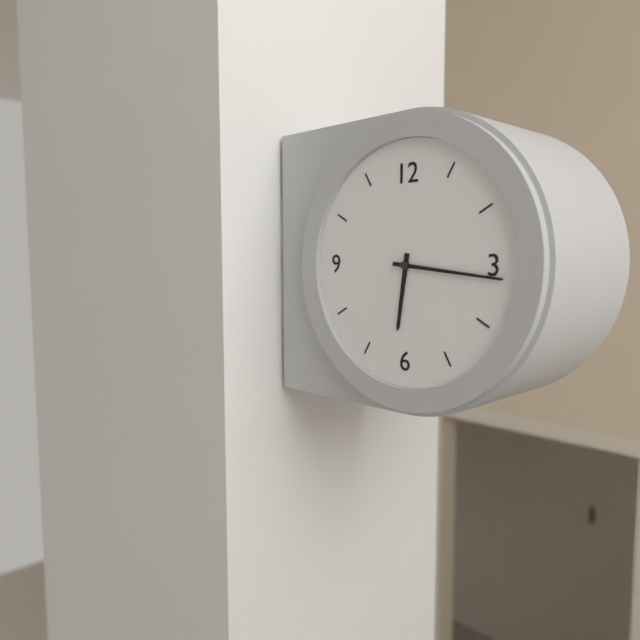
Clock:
6:16
